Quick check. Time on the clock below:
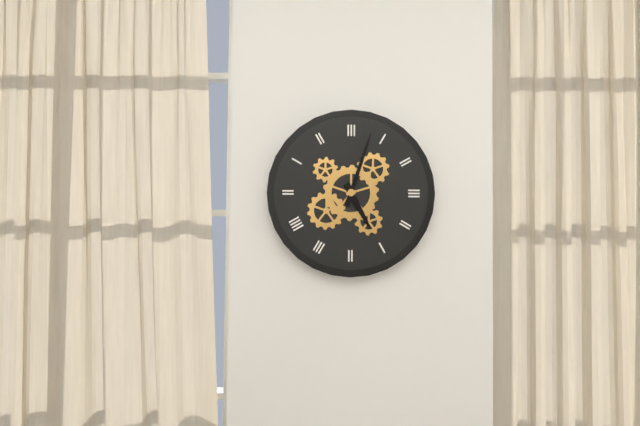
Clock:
5:03
